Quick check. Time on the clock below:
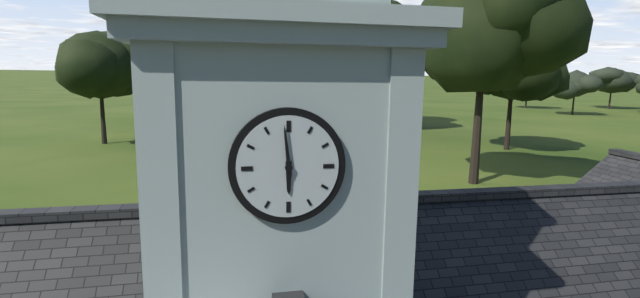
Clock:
5:59
